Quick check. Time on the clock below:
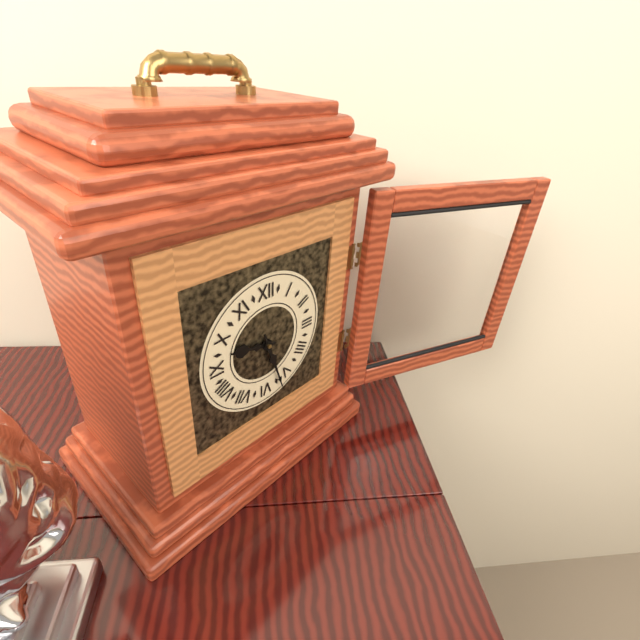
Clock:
9:27
